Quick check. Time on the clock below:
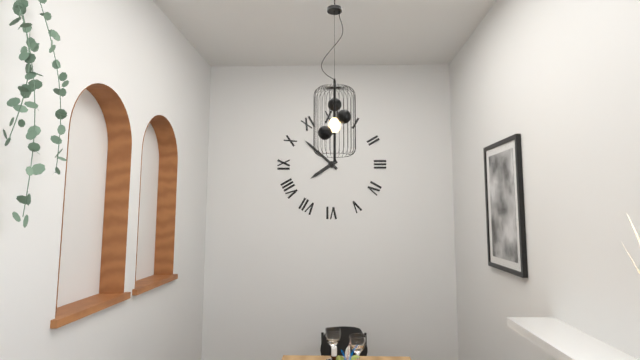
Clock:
7:52
